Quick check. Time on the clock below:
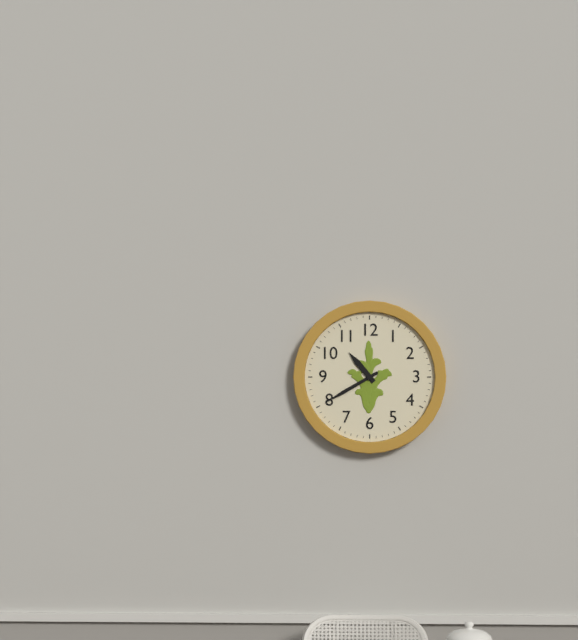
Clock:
10:40
